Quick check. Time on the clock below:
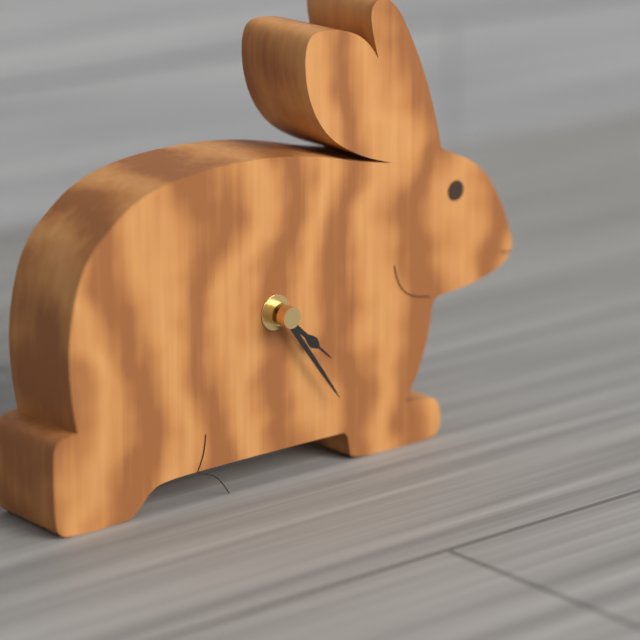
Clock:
4:24
